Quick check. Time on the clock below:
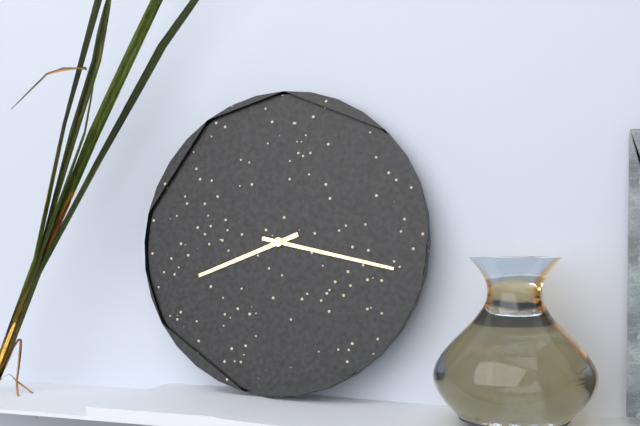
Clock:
8:17
